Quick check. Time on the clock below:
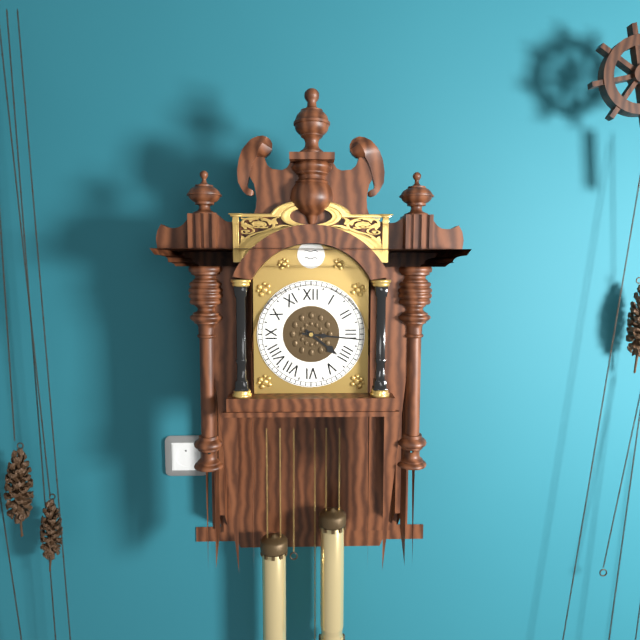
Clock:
4:16
